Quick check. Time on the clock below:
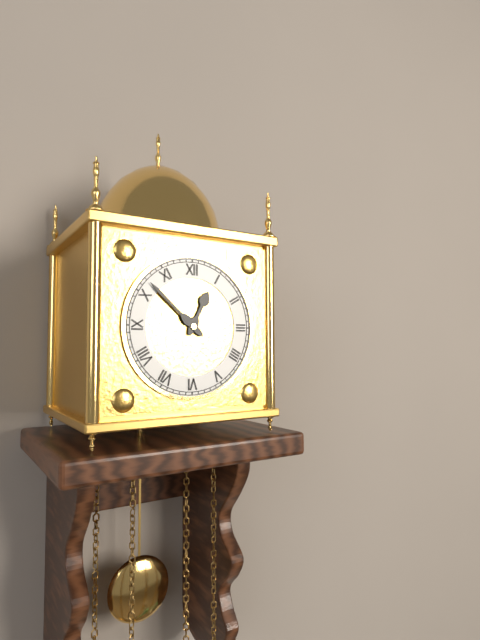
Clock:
12:52
